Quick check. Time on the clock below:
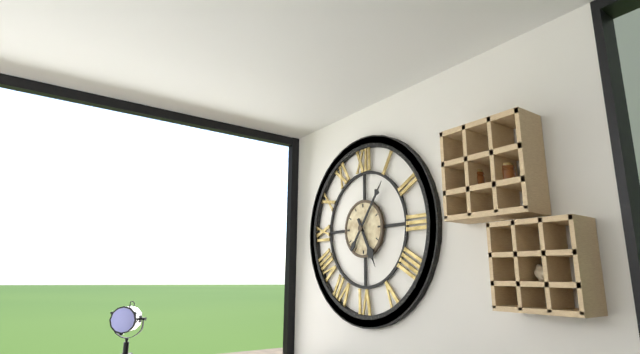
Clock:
5:06
